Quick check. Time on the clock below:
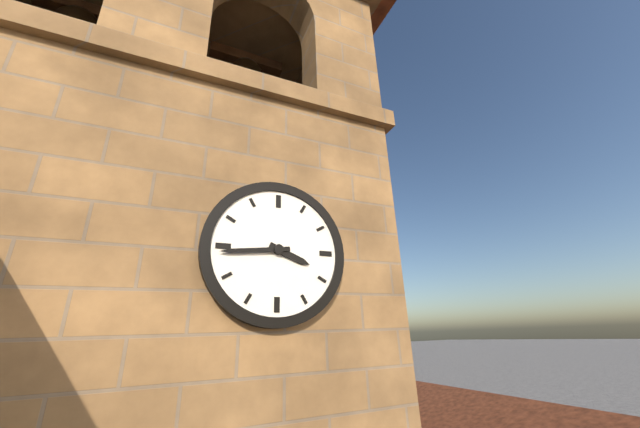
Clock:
3:44
